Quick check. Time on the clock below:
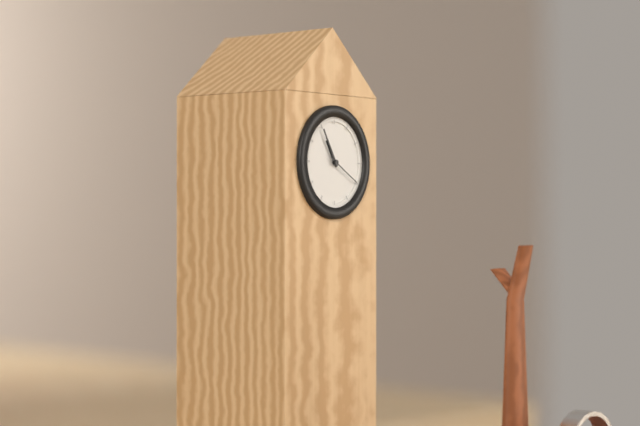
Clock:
10:55
